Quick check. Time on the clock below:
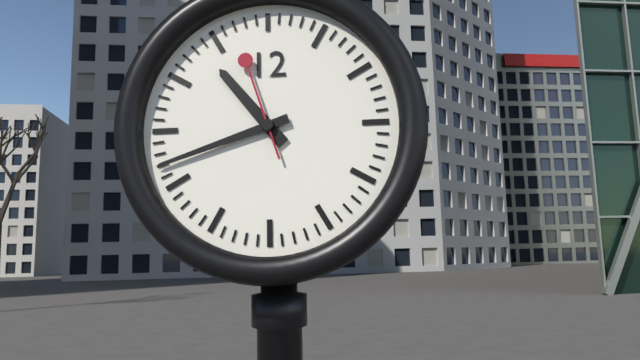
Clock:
10:42:57
